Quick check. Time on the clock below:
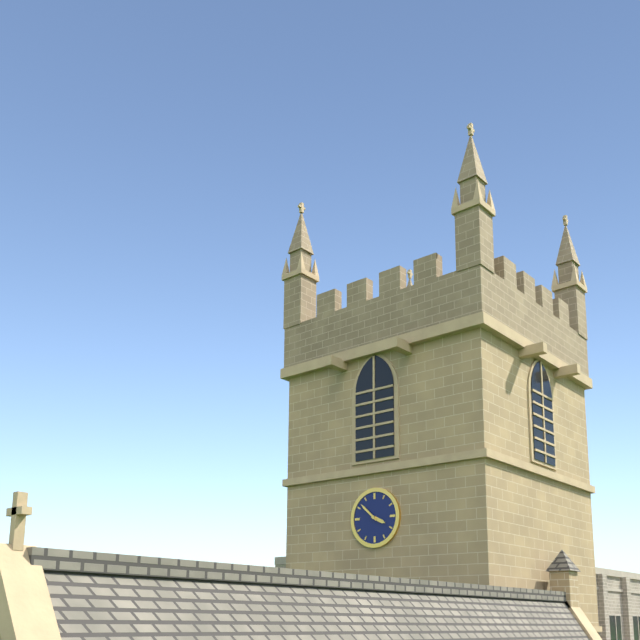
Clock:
3:52
